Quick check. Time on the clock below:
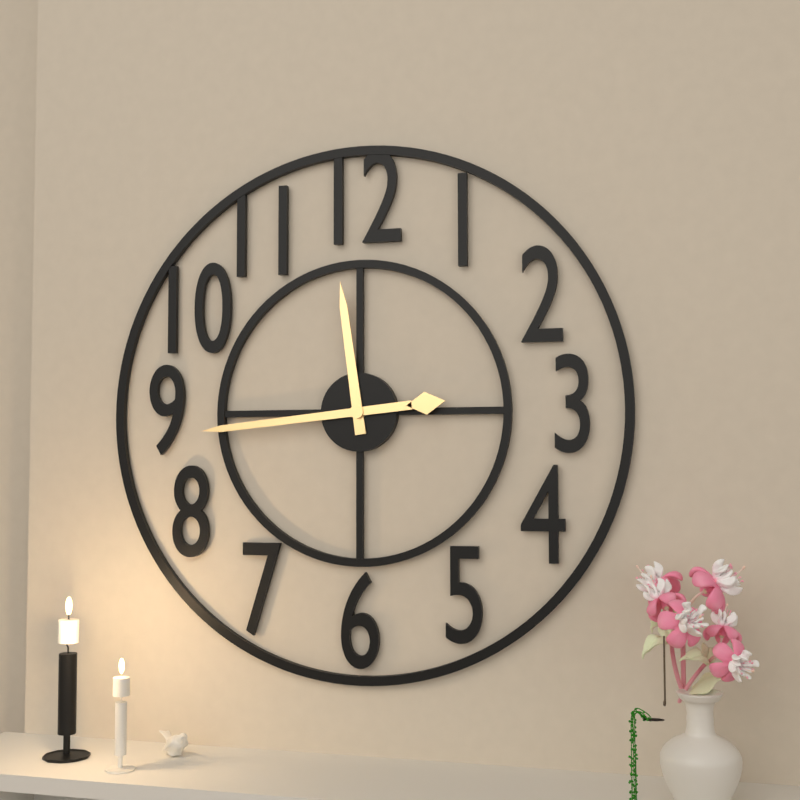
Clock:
11:44
